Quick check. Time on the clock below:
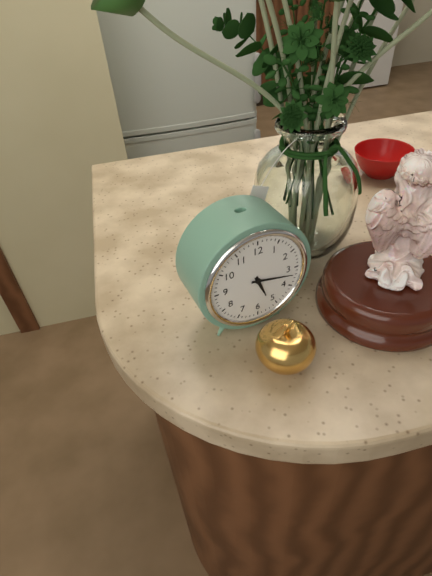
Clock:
5:17
